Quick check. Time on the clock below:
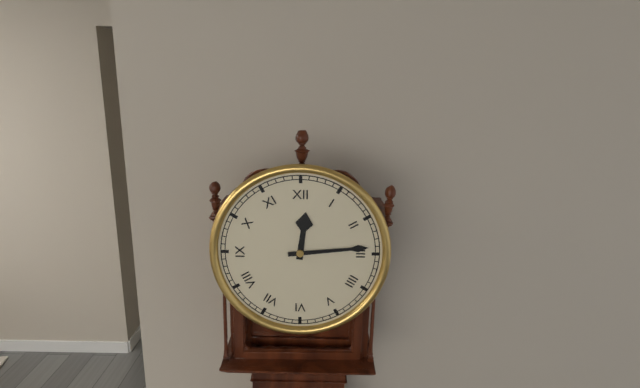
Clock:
12:14
